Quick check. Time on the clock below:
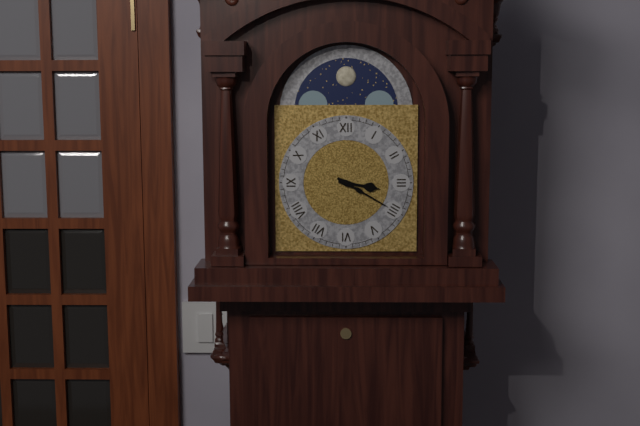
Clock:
3:20
